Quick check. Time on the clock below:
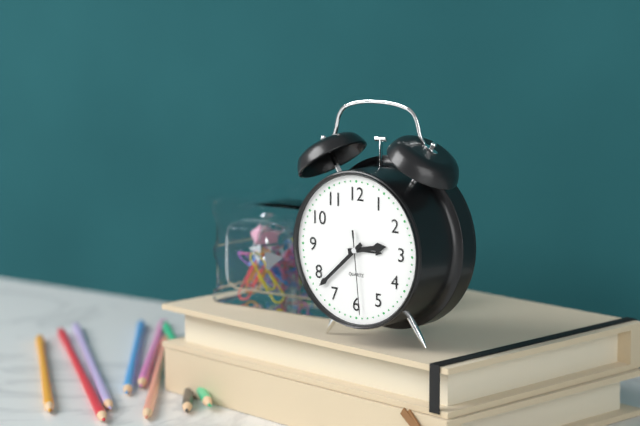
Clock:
2:38:29
